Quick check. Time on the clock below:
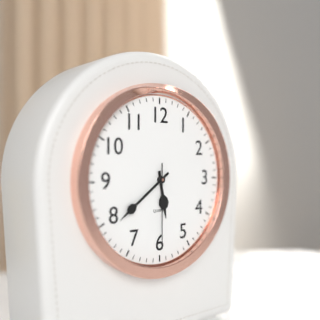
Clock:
5:39:30
